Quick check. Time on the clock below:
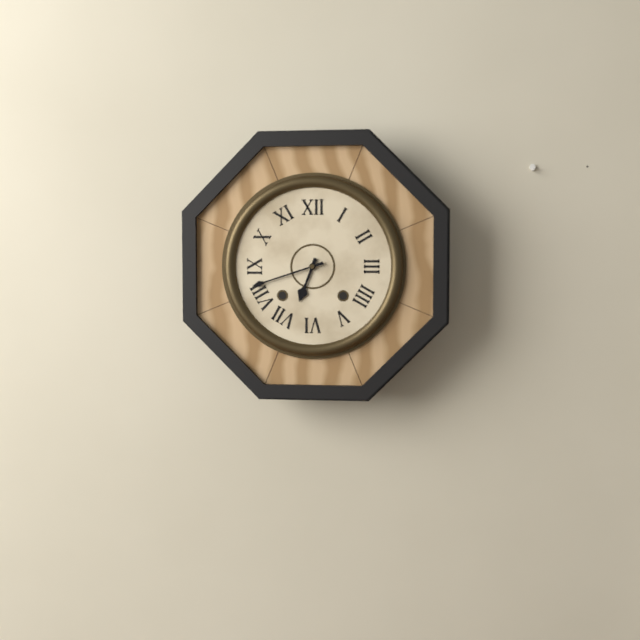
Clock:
6:42
